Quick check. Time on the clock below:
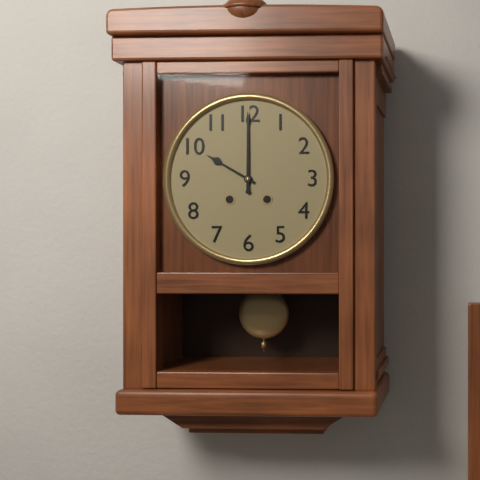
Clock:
10:00
